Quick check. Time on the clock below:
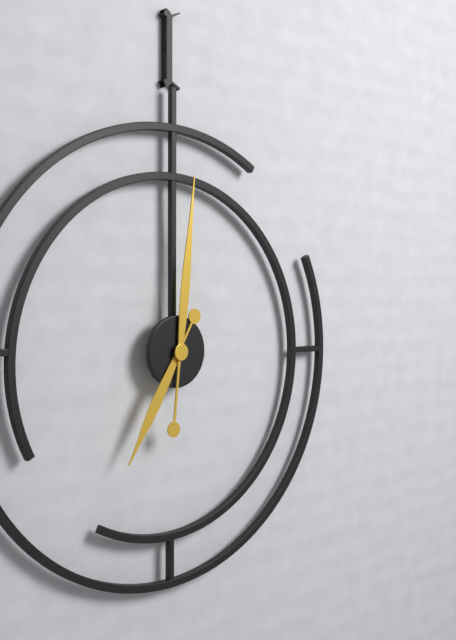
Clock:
7:01
